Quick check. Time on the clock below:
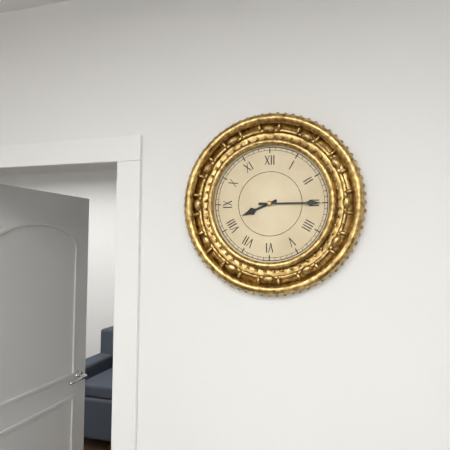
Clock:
8:15
